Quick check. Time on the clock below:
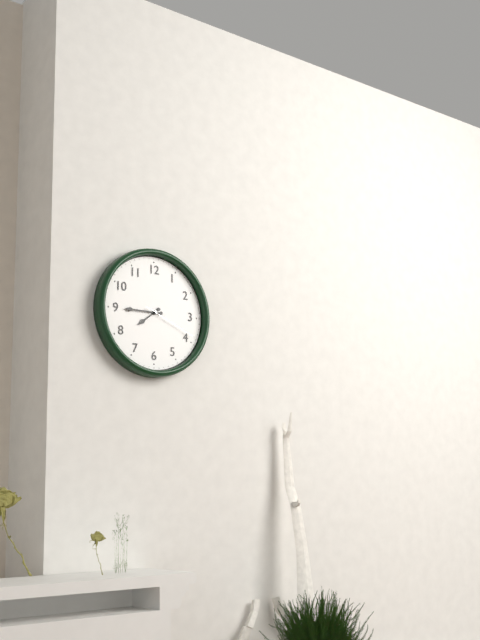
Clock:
7:45:19
